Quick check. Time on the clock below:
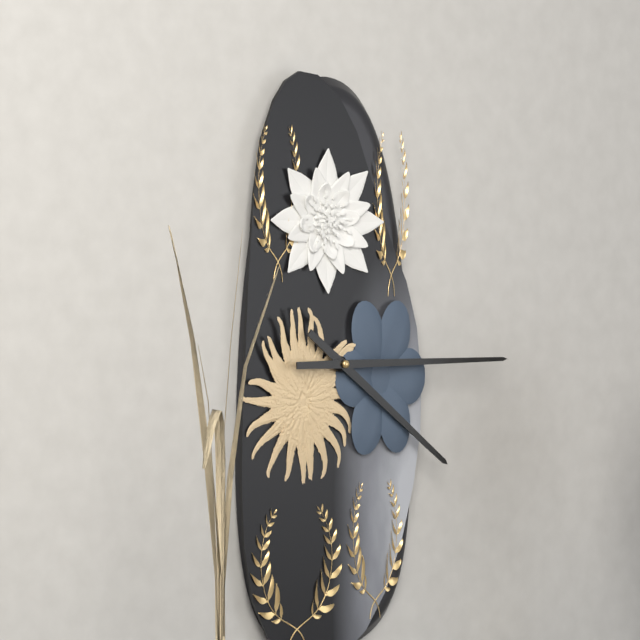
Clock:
4:15
